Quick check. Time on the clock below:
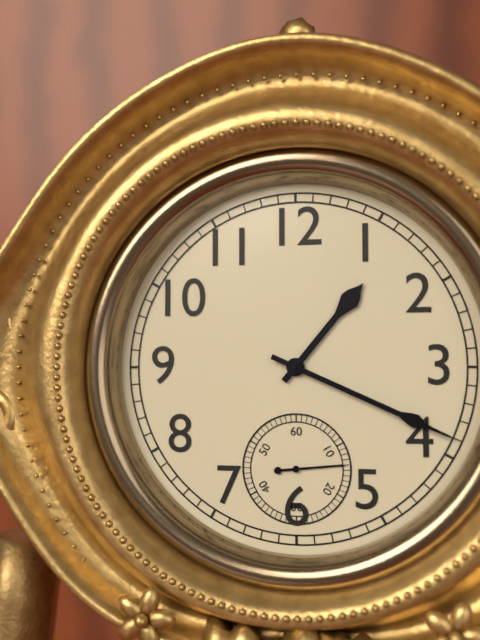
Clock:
1:19:14
